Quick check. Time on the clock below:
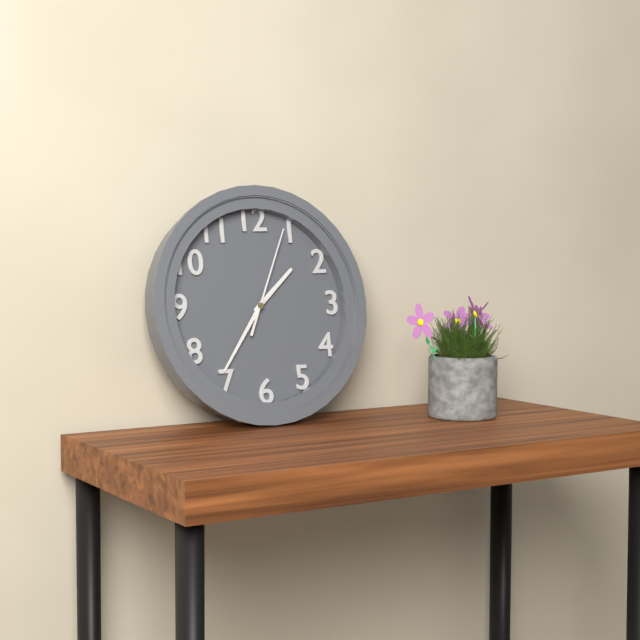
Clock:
1:36:04
